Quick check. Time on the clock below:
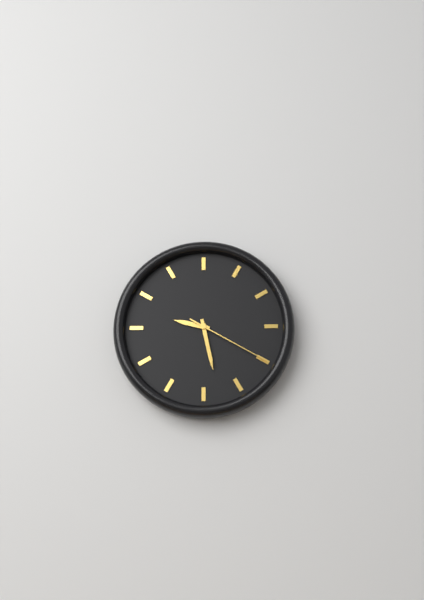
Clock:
9:28:20
